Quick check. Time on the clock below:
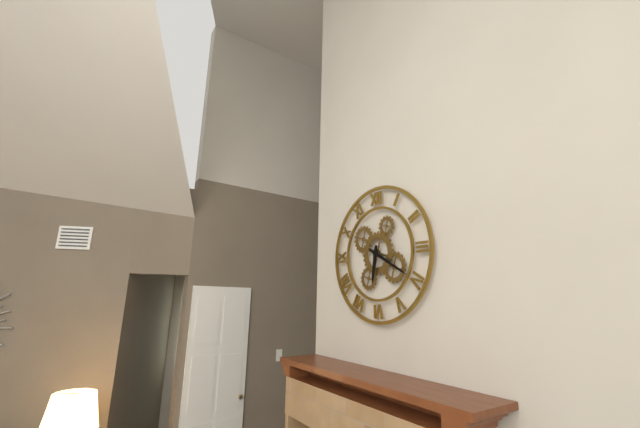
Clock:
6:20
